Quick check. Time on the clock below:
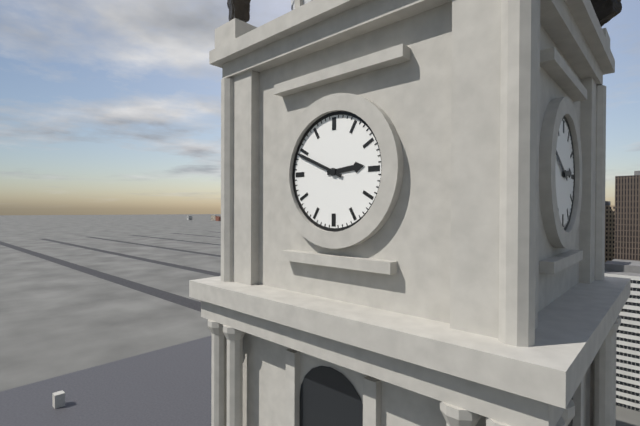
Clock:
2:49
